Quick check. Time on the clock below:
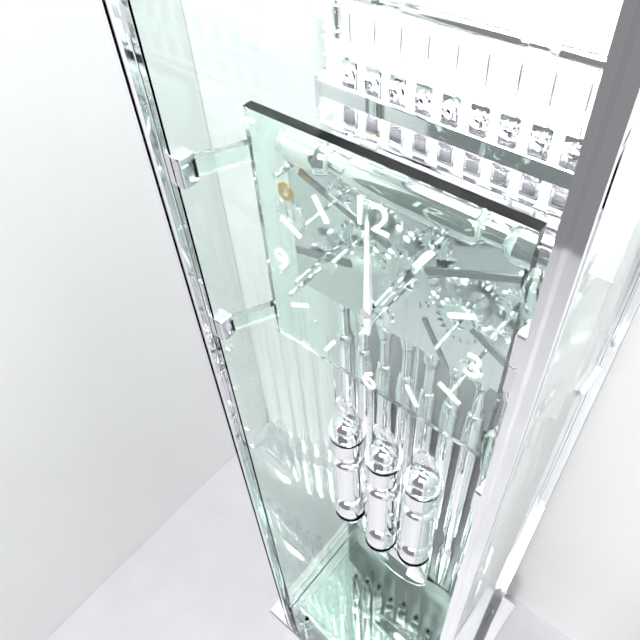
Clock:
12:00
